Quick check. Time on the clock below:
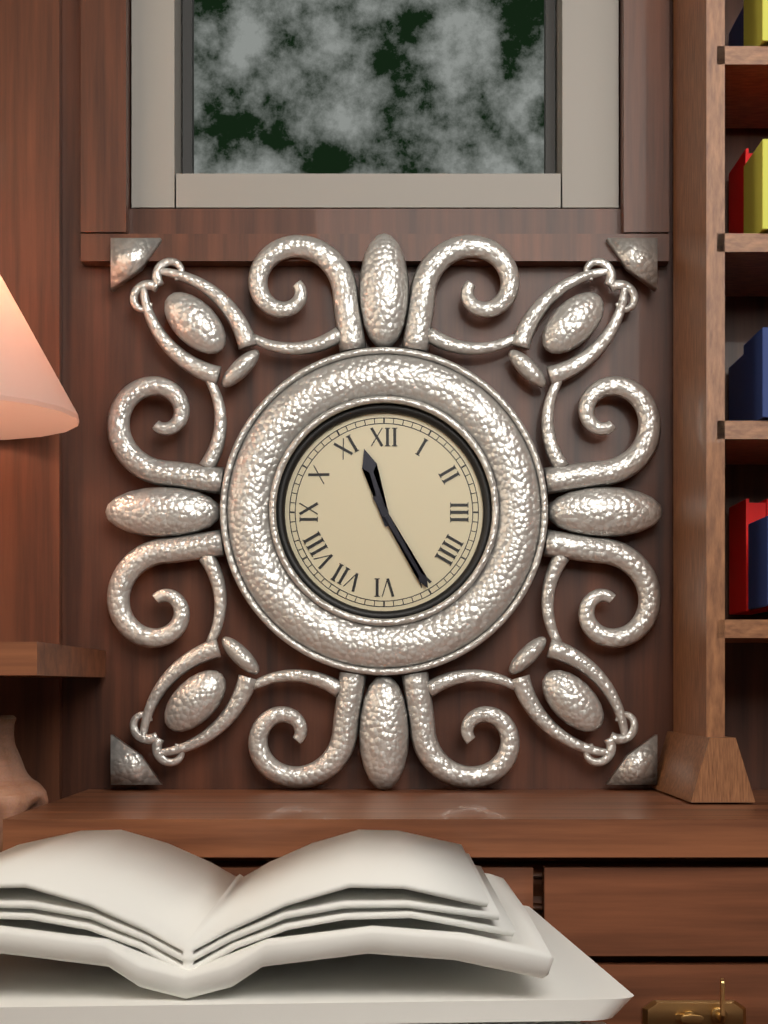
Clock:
11:25
